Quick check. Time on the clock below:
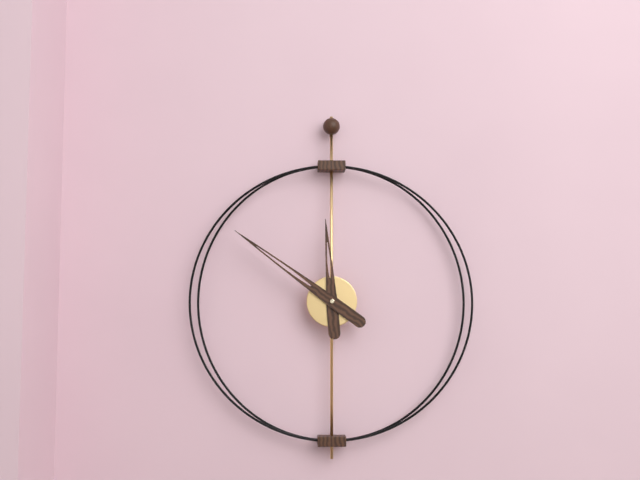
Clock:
11:51
